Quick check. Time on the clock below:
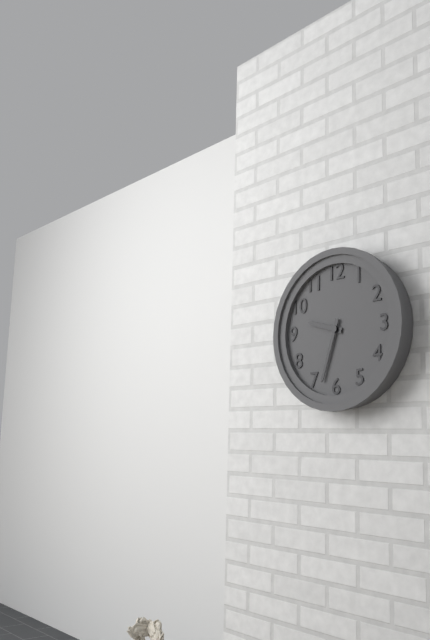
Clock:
9:33
